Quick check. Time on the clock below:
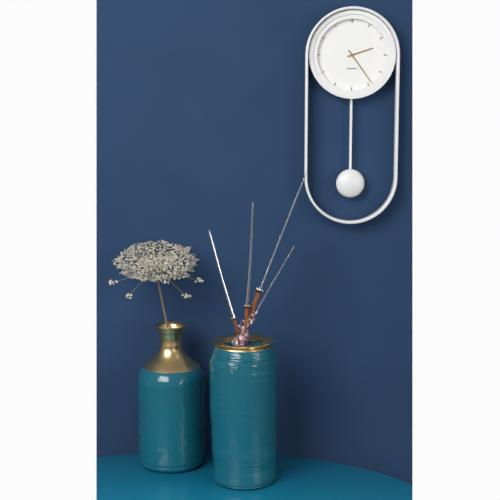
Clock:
2:24
